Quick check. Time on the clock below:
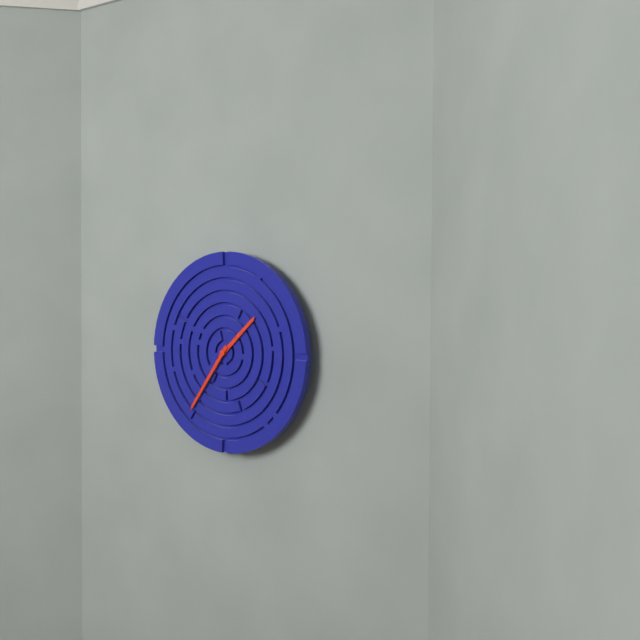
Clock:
1:36
